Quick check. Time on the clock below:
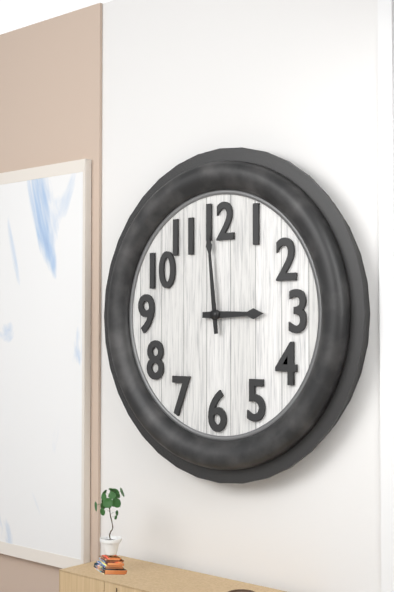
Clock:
2:59
